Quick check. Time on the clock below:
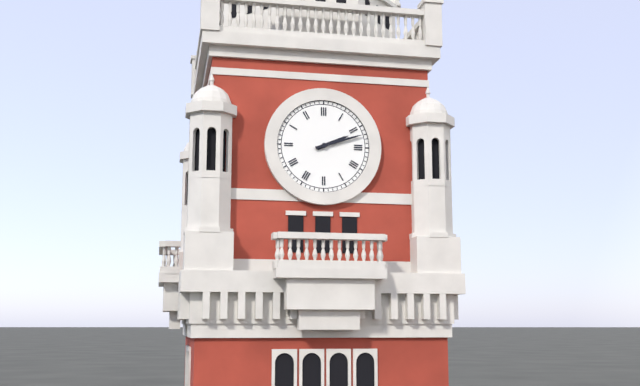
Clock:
2:12
